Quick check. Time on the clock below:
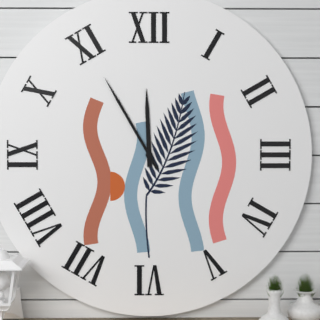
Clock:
11:55
